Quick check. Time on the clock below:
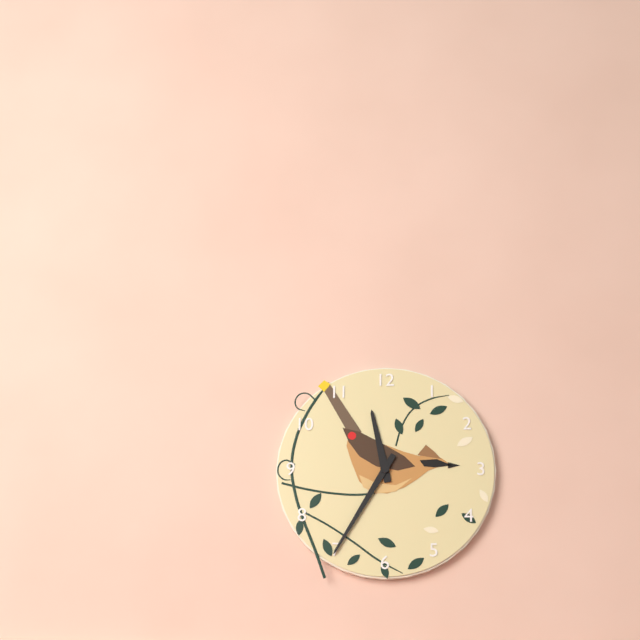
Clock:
11:35
